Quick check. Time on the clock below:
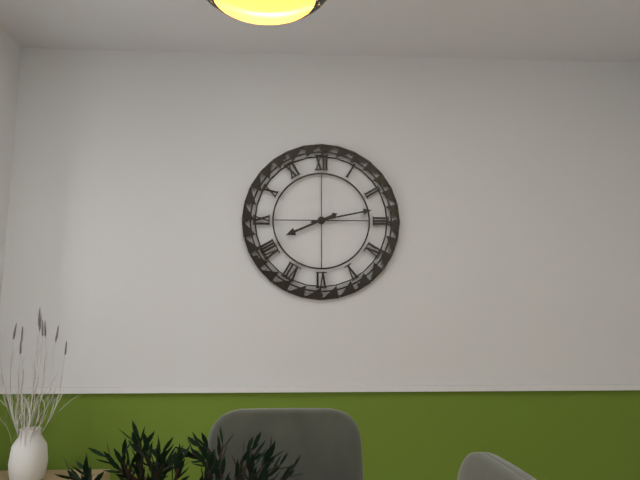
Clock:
8:13
